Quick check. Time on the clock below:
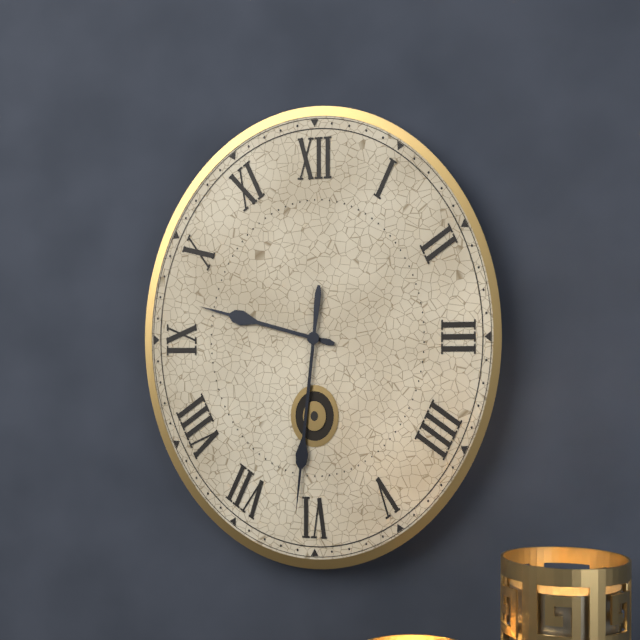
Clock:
9:31
